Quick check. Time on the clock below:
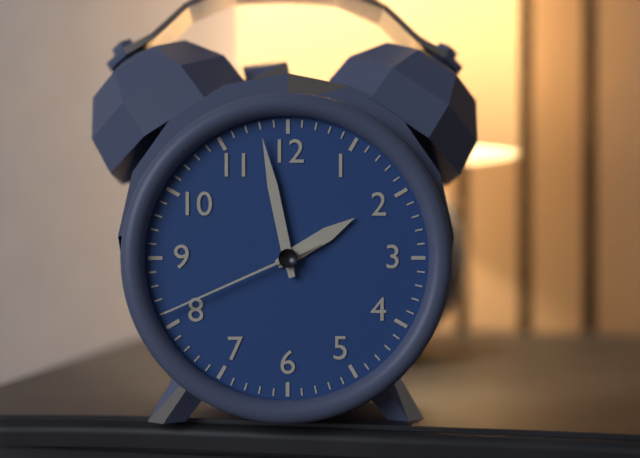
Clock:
1:58:41
